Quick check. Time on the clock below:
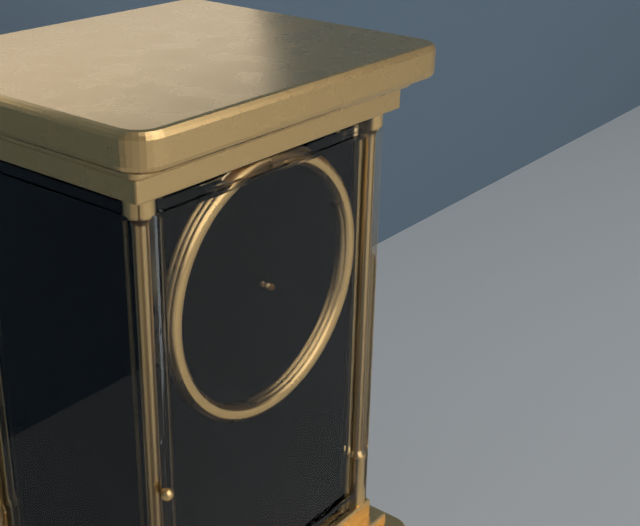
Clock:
2:50
